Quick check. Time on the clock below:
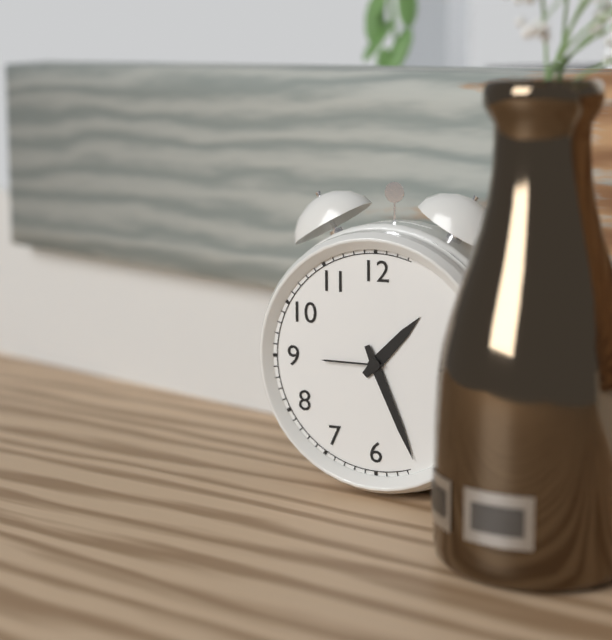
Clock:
1:26
